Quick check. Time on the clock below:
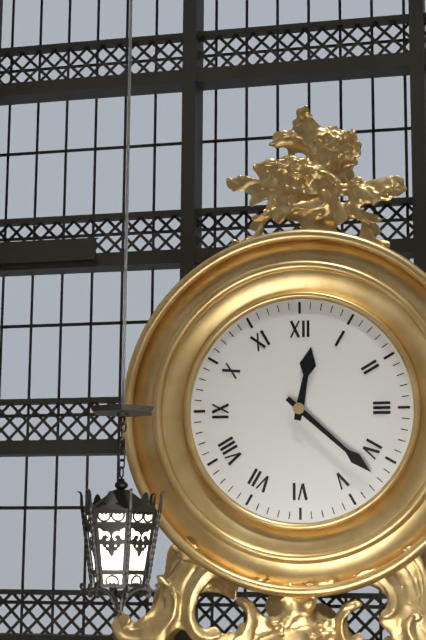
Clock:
12:22
